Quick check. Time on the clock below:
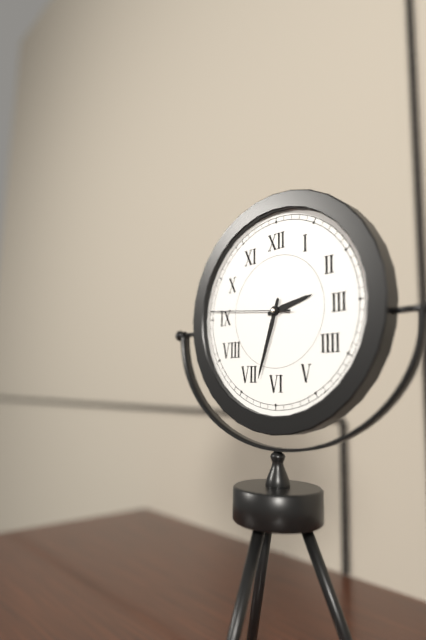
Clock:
2:33:46
